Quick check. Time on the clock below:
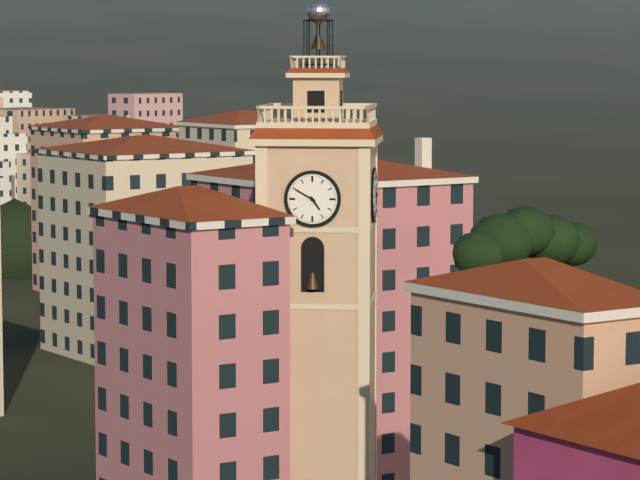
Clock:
4:50
